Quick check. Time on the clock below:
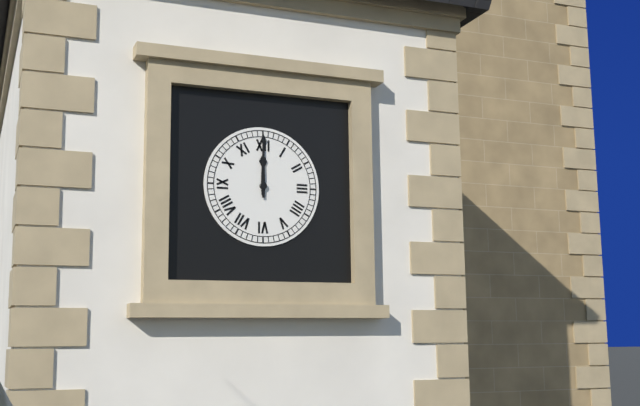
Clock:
12:00
